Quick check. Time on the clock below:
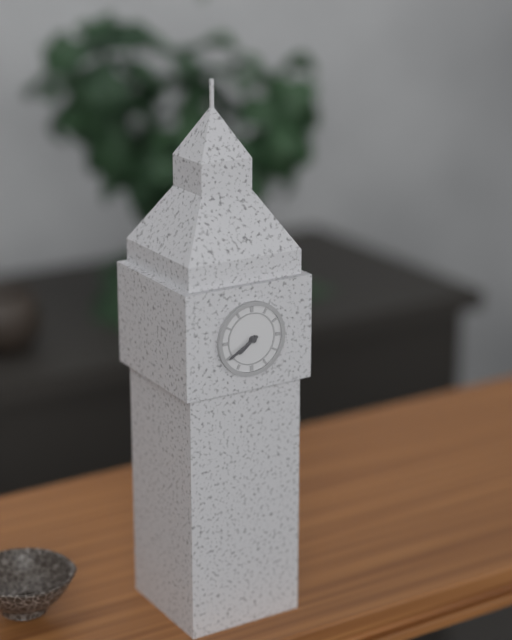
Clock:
7:40
